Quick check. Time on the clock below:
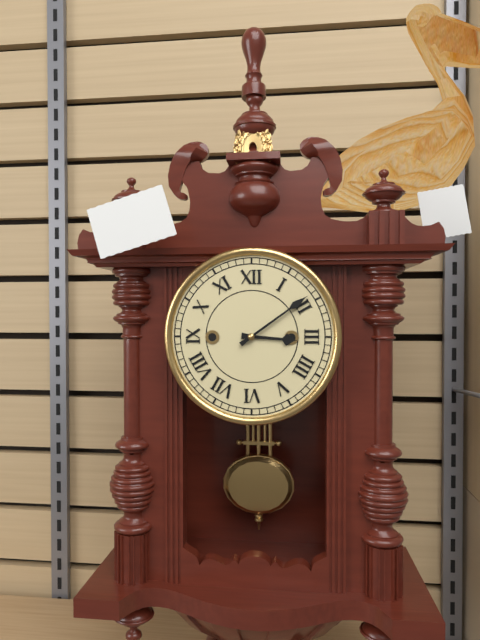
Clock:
3:09
